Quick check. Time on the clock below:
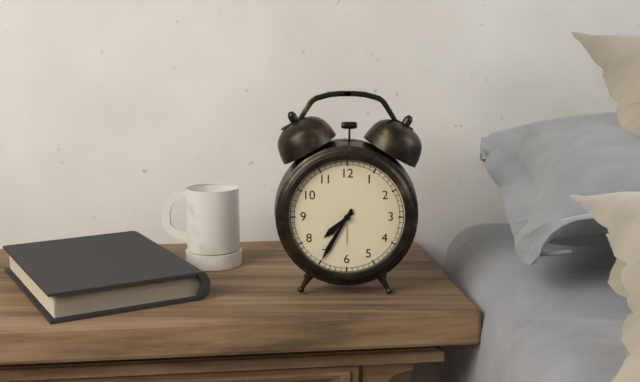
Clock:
7:35
